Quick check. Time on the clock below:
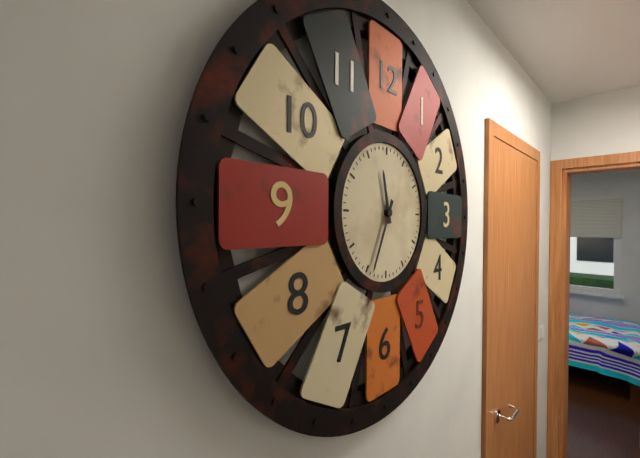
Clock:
11:34
